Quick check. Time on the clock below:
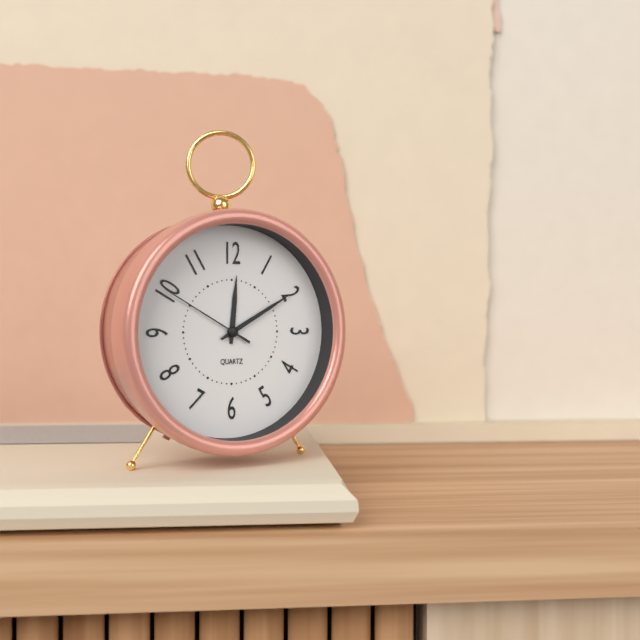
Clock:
12:10:50
